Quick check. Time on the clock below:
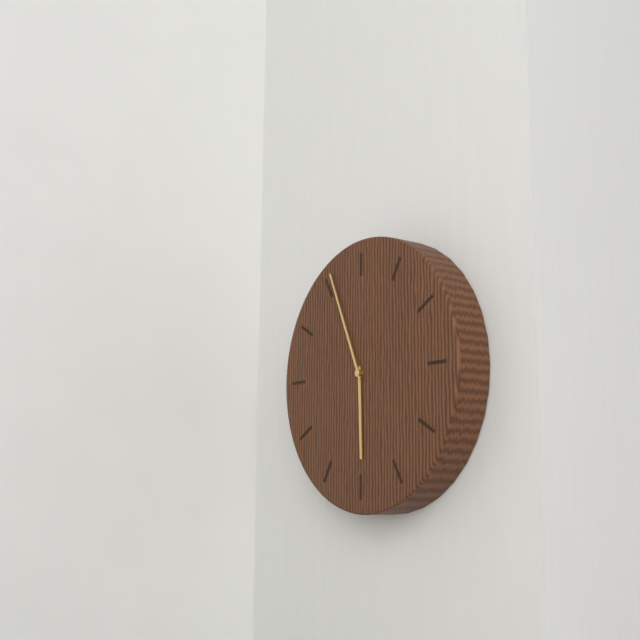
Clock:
5:56
